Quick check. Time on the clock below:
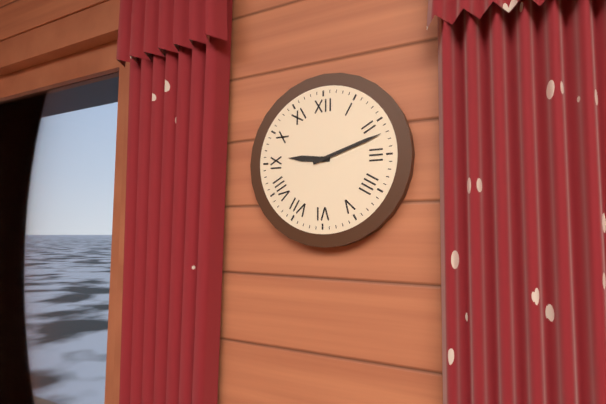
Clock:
9:12
